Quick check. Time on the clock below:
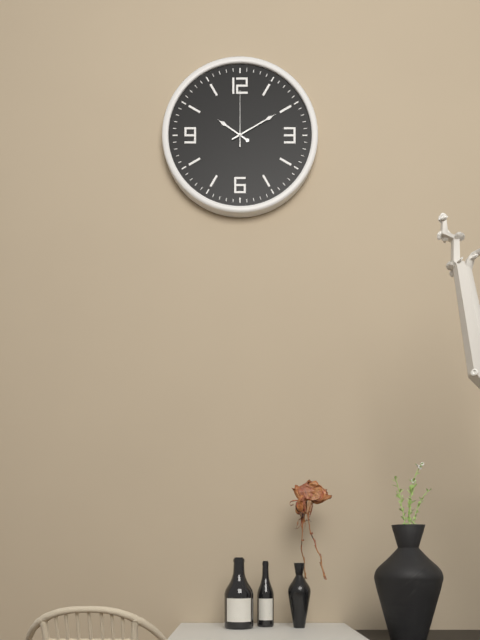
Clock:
10:10:00
